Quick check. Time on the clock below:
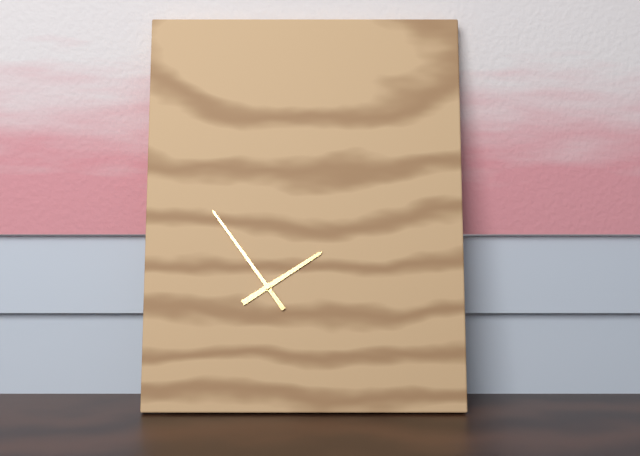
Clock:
1:54
